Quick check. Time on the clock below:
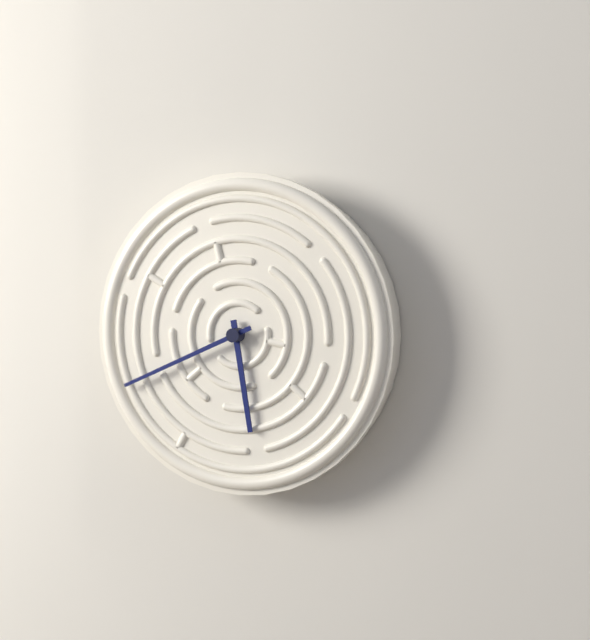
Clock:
5:41
